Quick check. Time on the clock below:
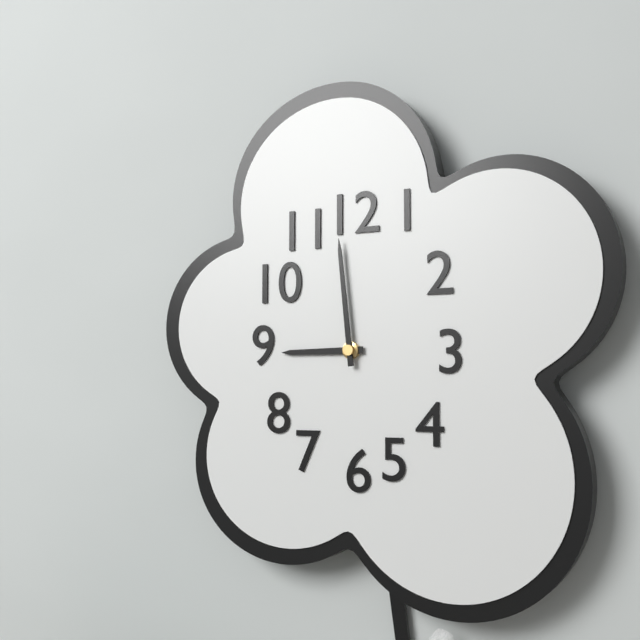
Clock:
8:59
